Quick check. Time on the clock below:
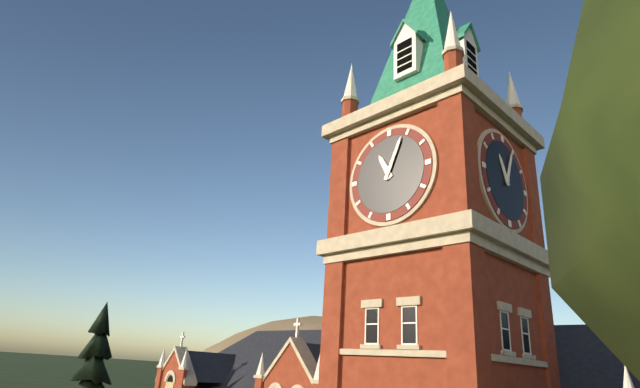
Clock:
11:04
